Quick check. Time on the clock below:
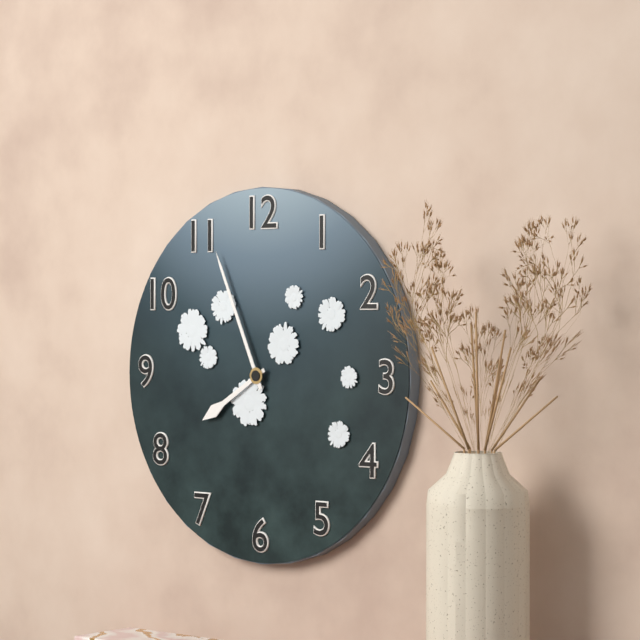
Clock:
7:56
